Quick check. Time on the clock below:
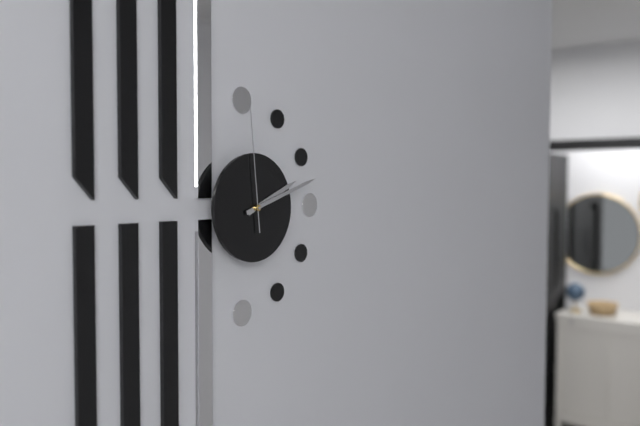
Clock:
2:12:59
